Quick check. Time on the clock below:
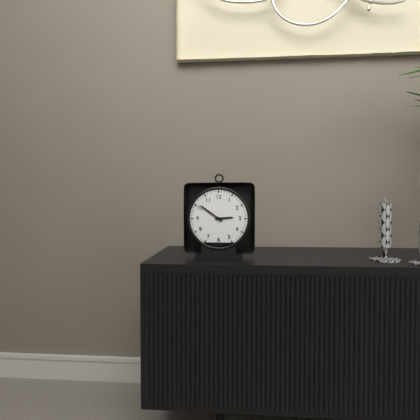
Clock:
2:51
